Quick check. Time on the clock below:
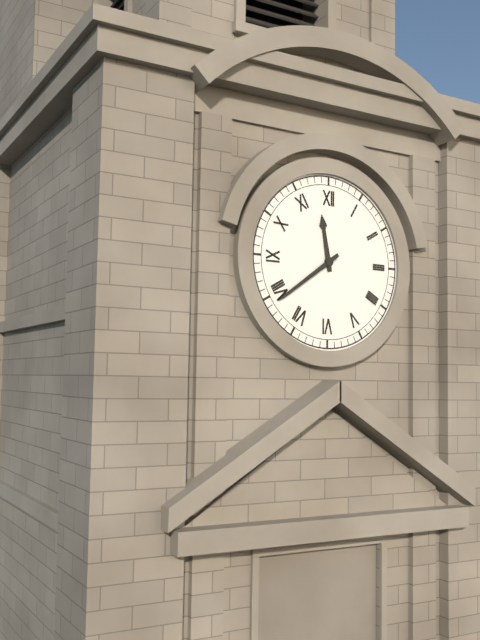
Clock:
11:39
